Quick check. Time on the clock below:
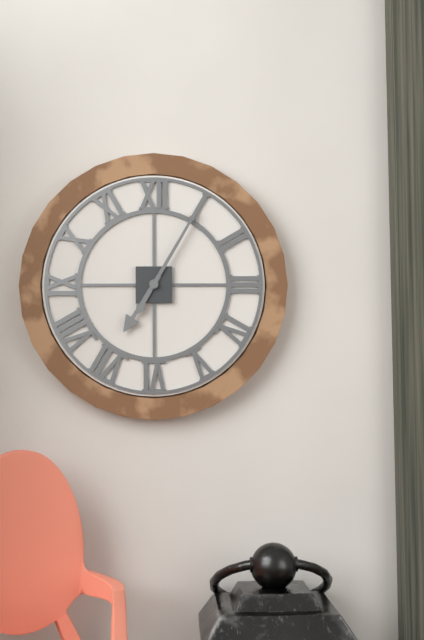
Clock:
7:05
